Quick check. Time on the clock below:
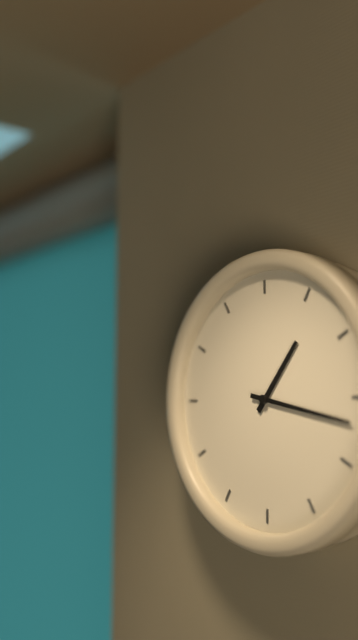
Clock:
1:17
